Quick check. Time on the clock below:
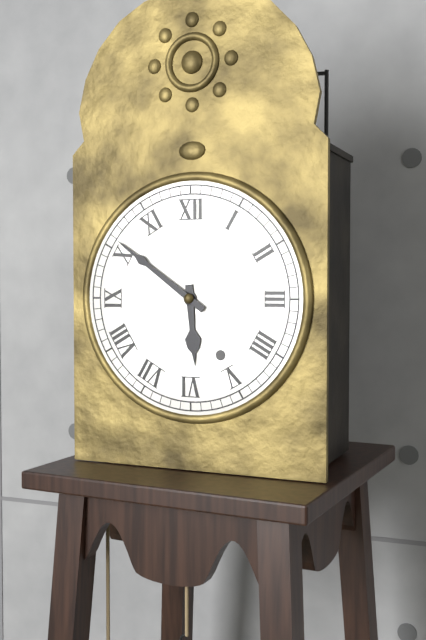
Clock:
5:51
